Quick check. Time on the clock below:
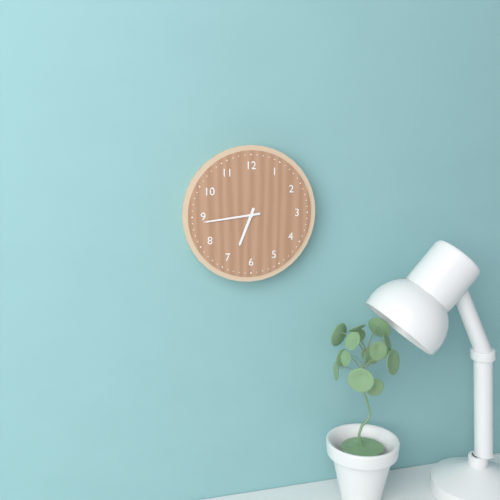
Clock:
6:44
